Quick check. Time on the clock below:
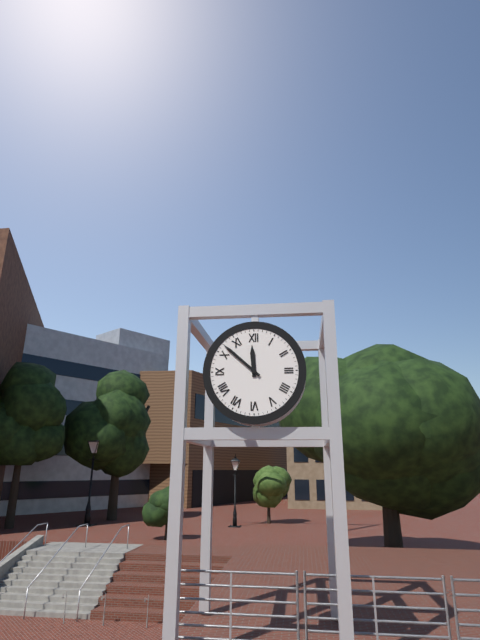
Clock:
11:52
